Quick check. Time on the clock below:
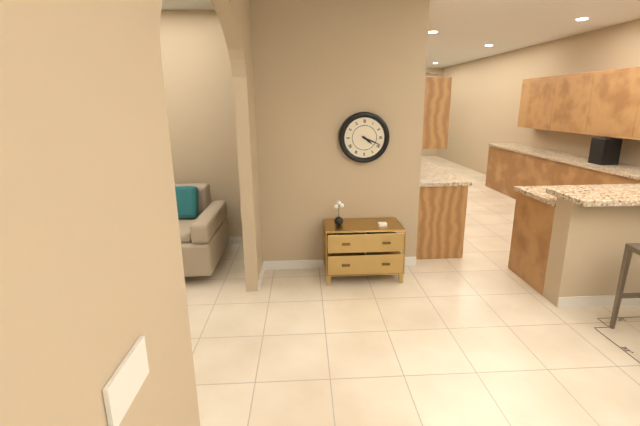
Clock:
4:19
